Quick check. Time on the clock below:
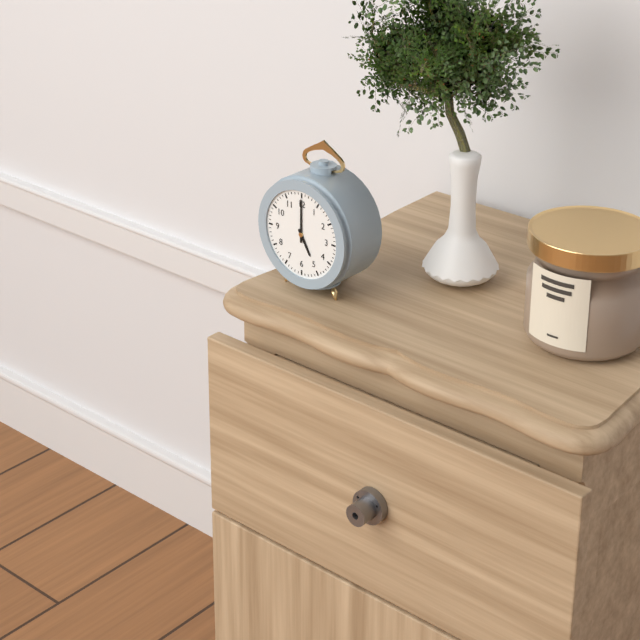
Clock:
5:00
